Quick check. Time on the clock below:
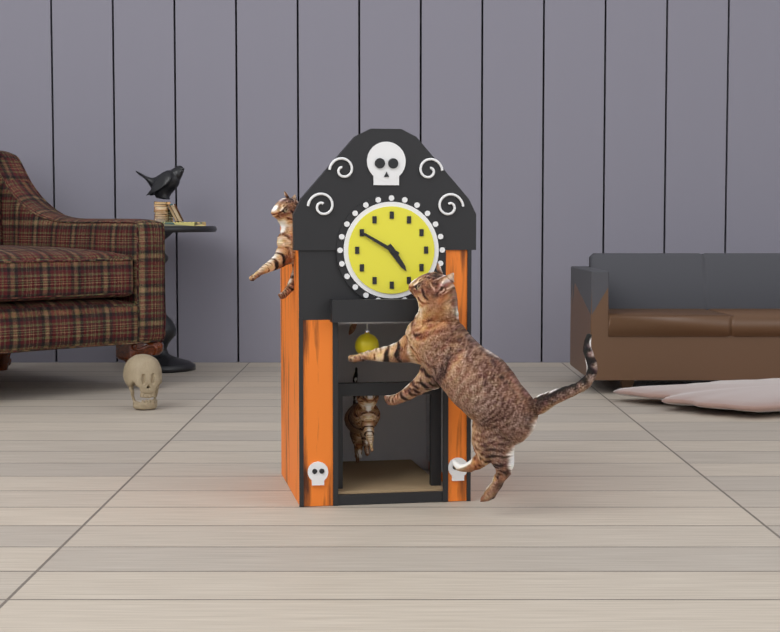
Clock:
4:50
